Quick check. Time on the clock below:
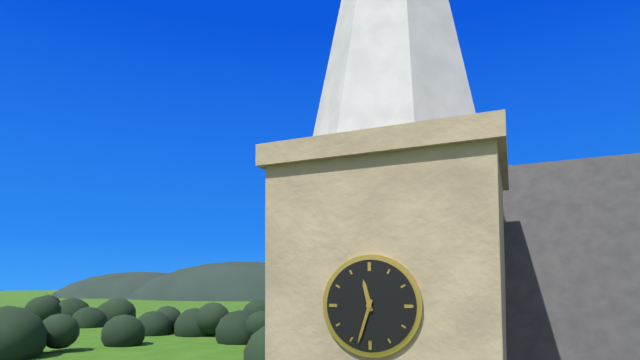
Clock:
11:33
